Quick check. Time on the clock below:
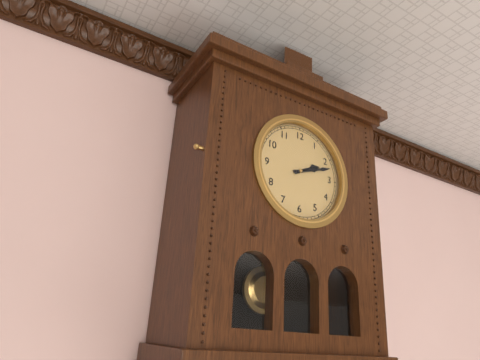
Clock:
2:12
